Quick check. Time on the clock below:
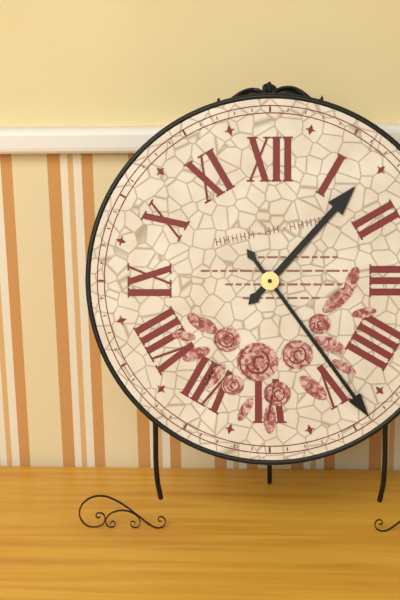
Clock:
1:24
